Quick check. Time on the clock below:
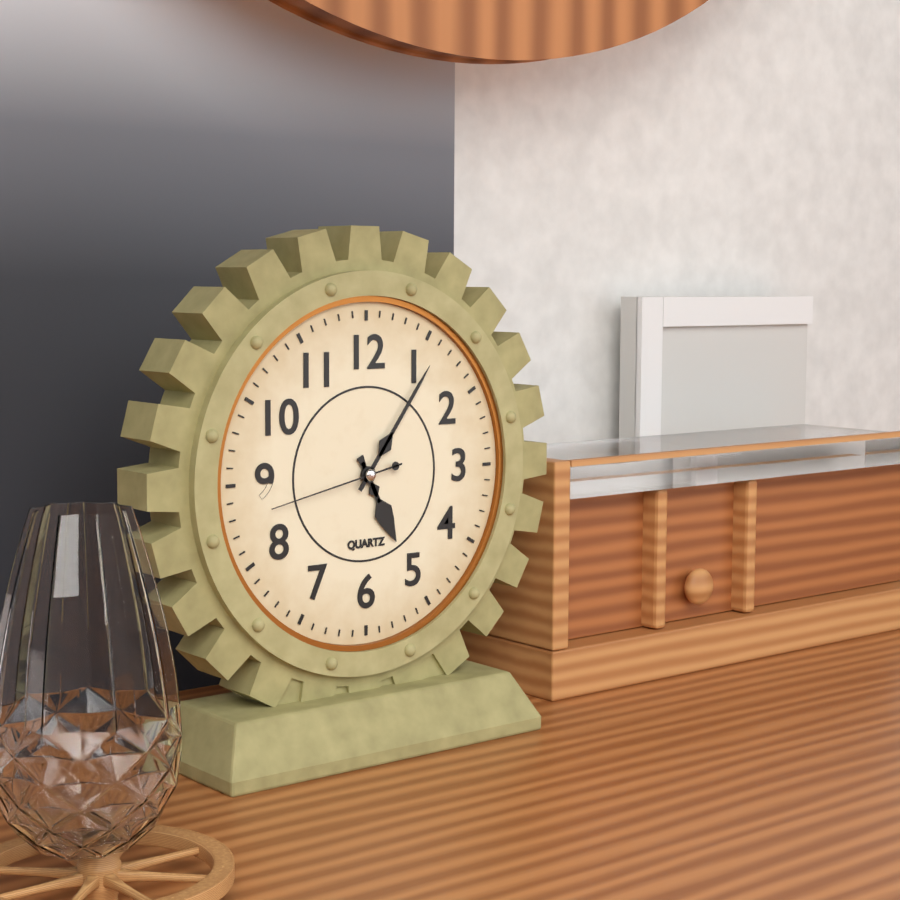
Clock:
5:06:43
